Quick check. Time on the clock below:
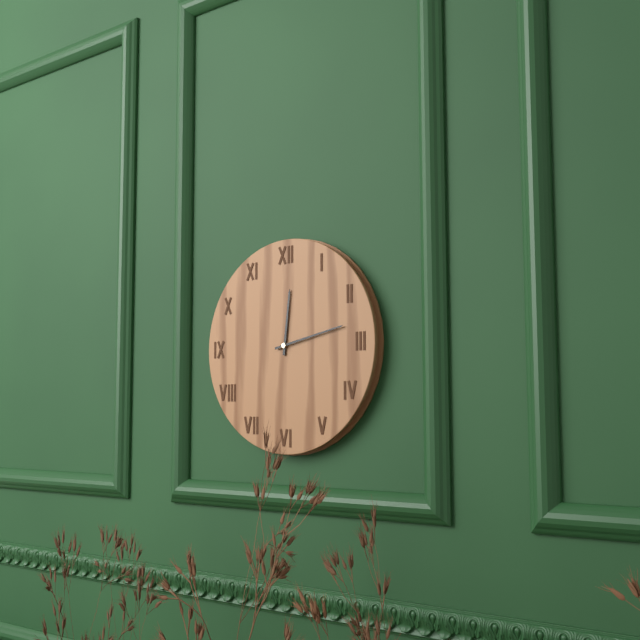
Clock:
12:13
